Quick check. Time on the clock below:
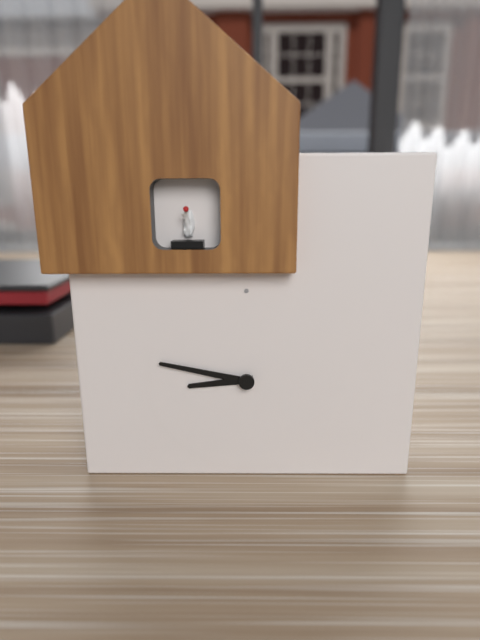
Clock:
8:47
